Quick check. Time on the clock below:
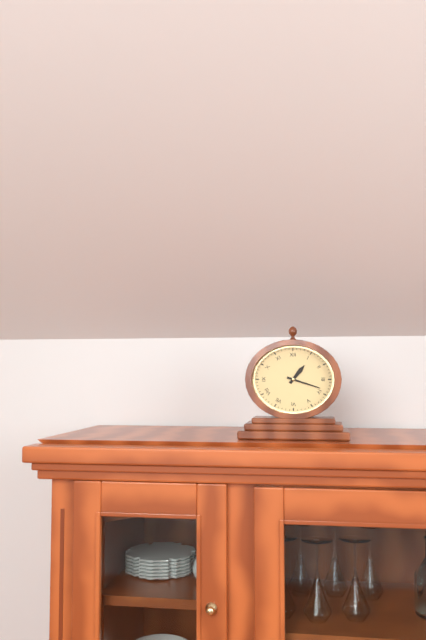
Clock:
1:18
